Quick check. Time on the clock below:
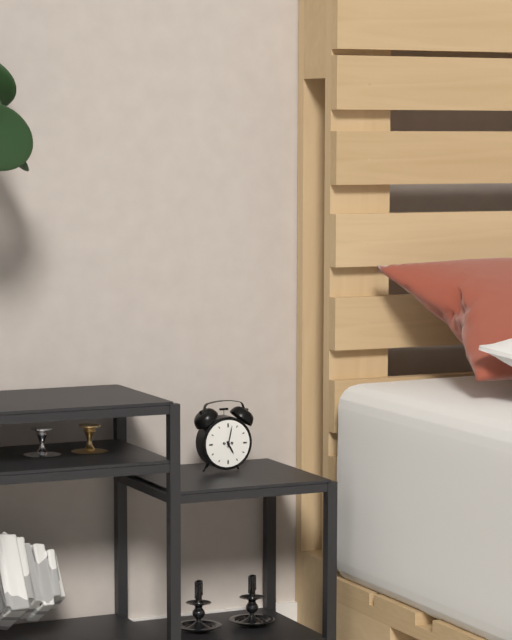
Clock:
5:02
